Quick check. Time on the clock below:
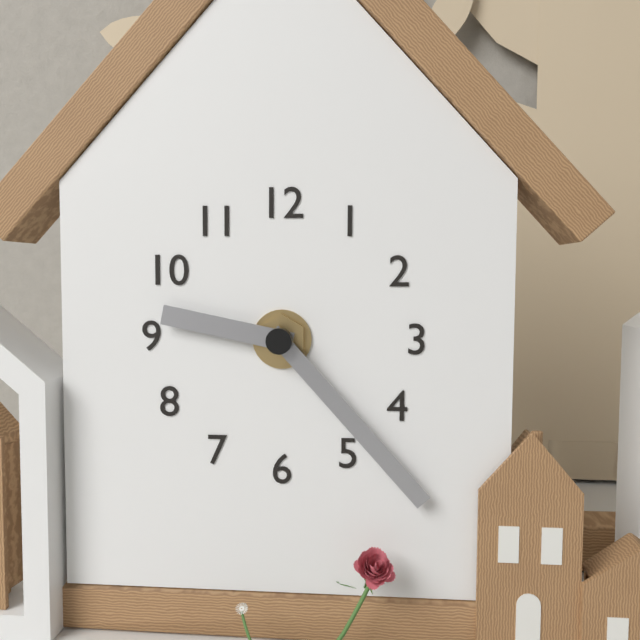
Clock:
9:23
